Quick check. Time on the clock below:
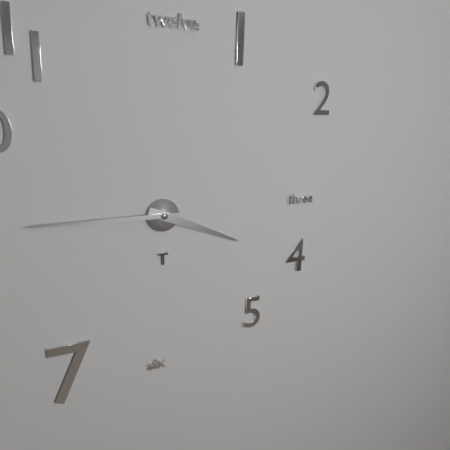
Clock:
3:45
